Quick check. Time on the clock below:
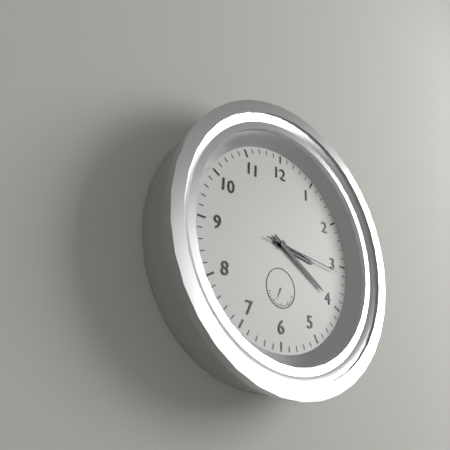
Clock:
3:20:16
